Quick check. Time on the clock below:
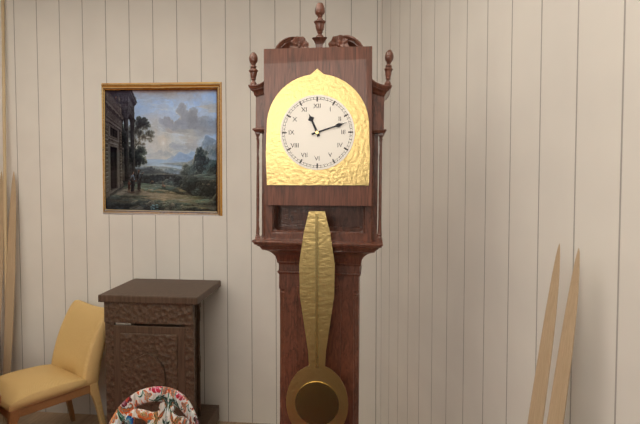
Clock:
11:12
